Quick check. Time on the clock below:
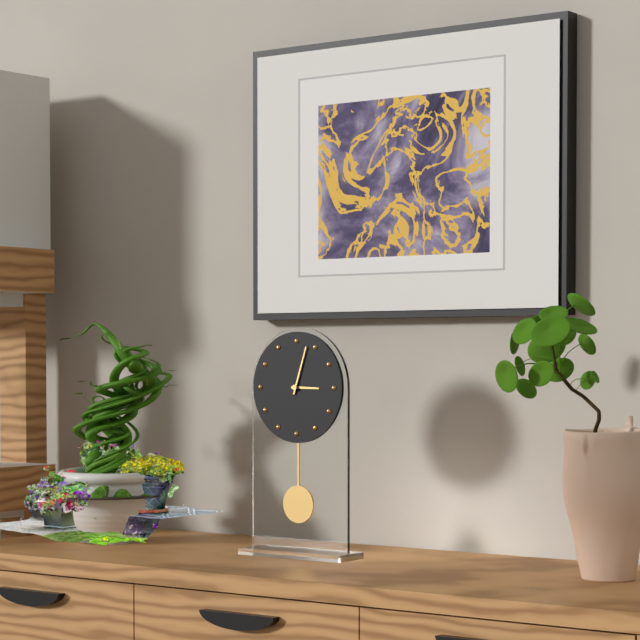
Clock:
3:03
